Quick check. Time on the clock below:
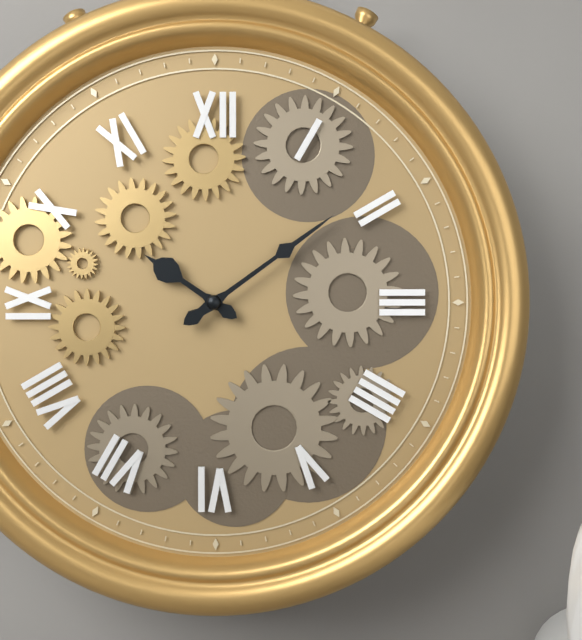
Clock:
10:09
